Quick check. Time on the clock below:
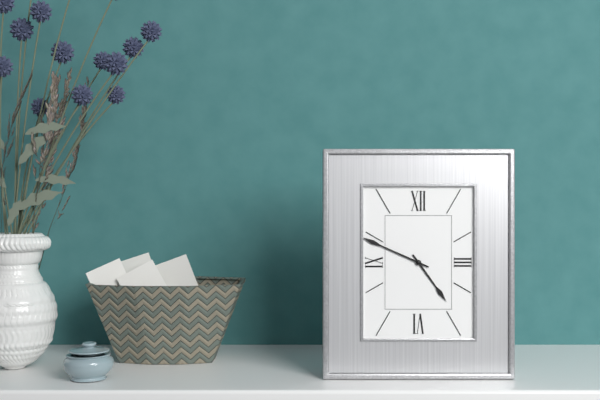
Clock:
4:49
